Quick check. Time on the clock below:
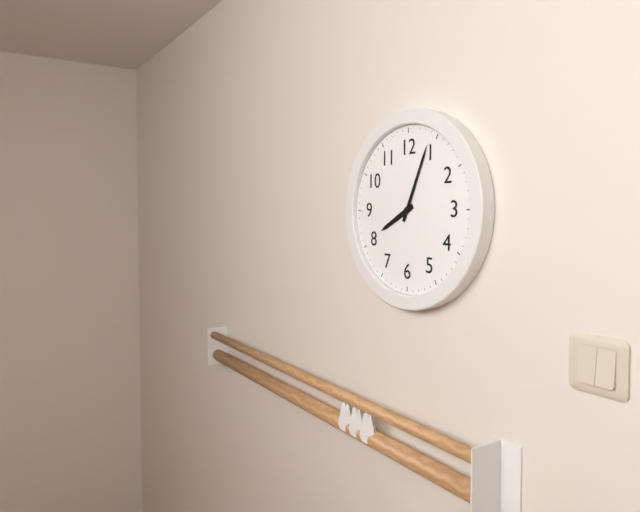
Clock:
8:04
